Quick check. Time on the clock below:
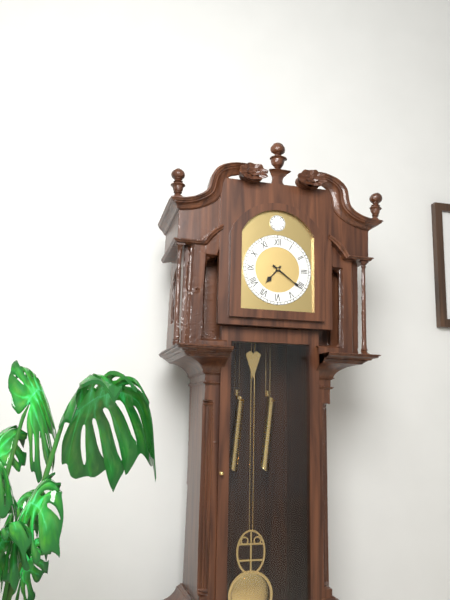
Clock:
7:21
